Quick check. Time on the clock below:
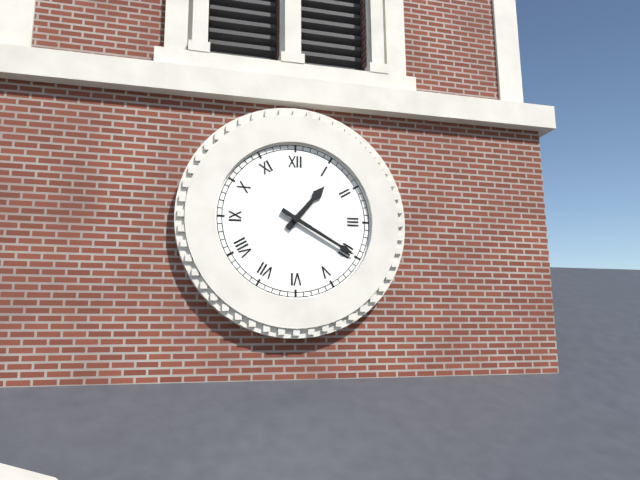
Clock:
1:20
